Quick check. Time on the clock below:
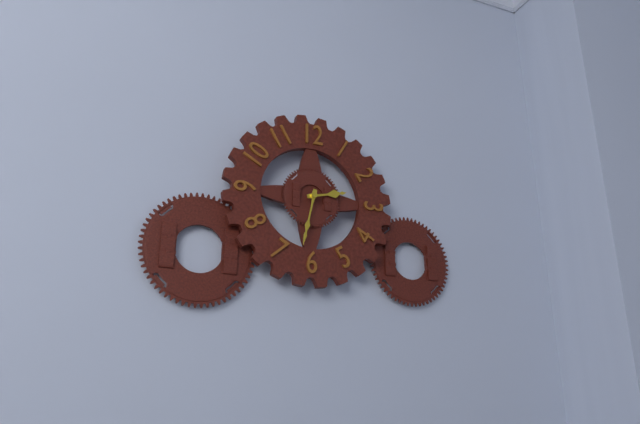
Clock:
2:32
